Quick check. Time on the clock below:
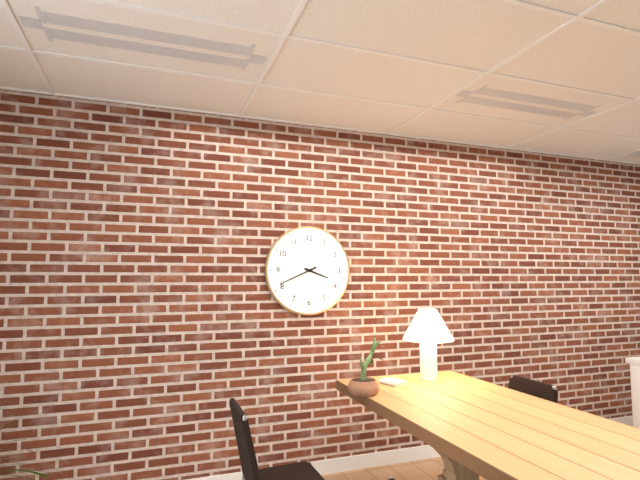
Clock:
3:41
